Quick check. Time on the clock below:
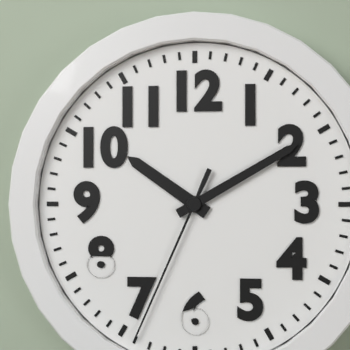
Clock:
10:10:34
